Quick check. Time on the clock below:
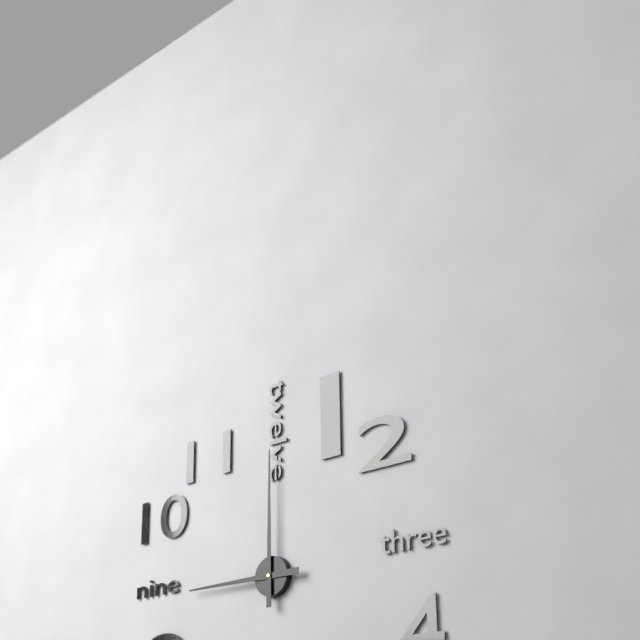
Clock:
9:00
